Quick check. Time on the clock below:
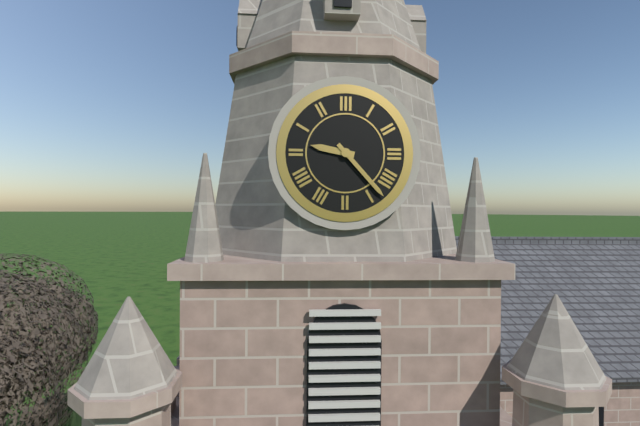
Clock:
9:23
